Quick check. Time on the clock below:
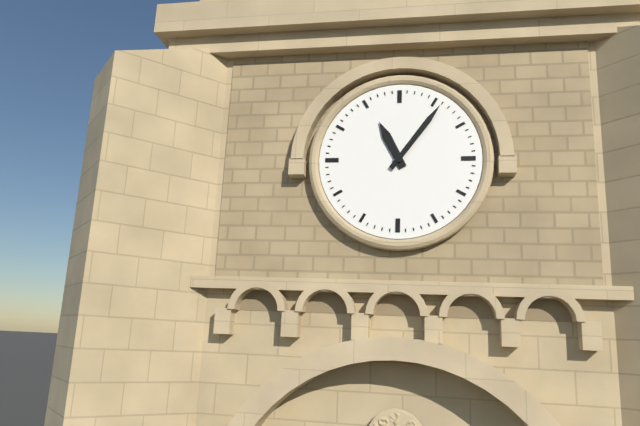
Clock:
11:06
